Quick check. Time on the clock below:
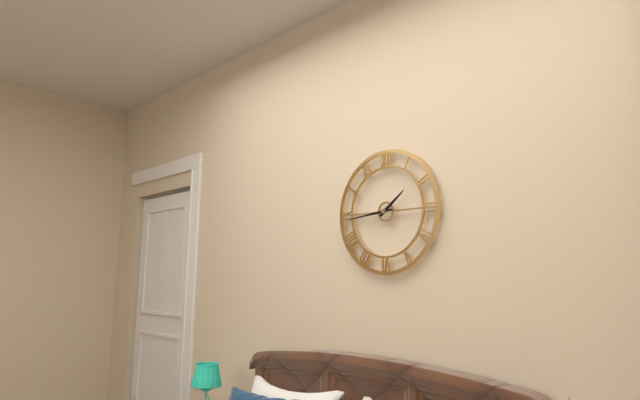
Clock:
1:44
